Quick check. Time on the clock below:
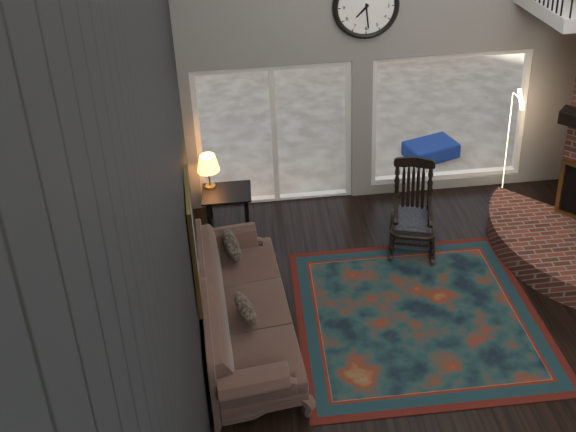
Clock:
7:29
